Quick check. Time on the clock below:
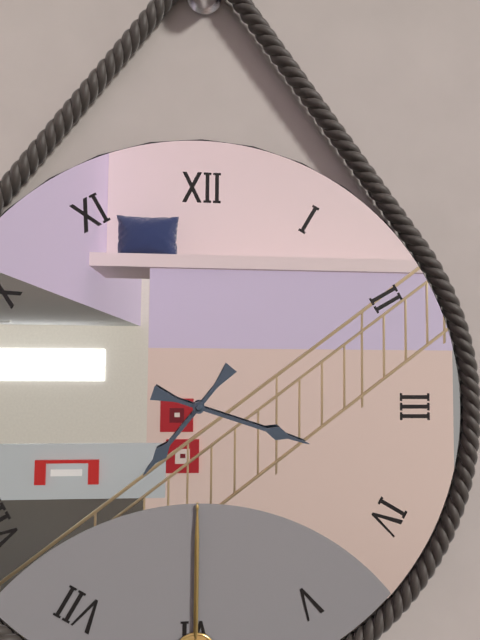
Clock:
7:18
